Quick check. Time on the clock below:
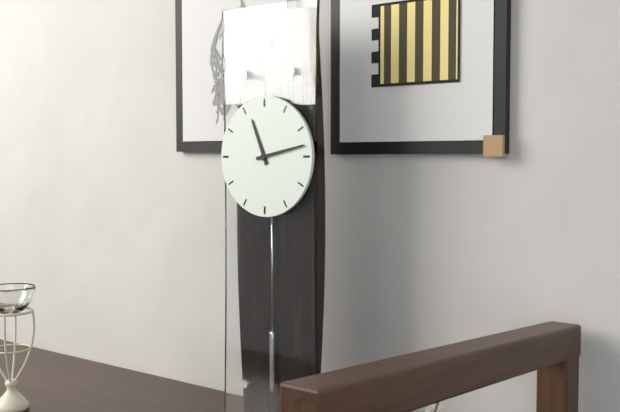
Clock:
11:13
